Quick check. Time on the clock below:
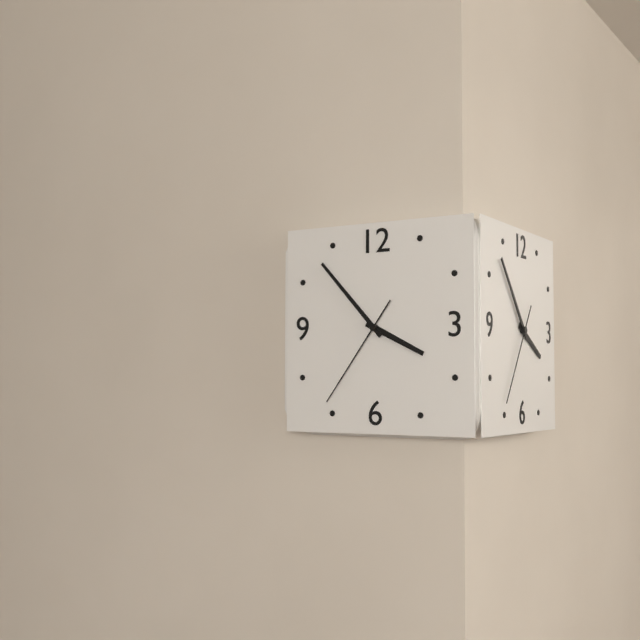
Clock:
3:53:36
